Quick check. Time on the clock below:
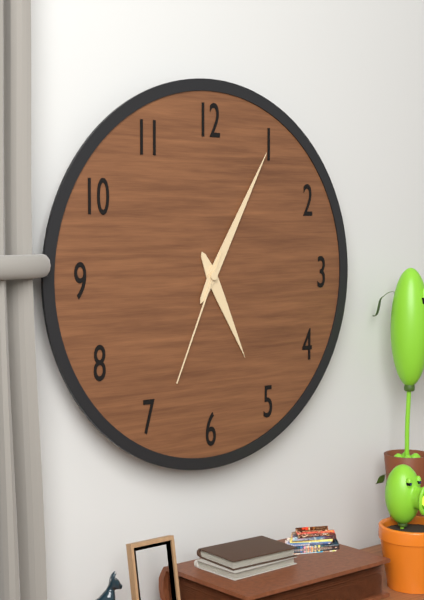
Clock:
5:05:34
